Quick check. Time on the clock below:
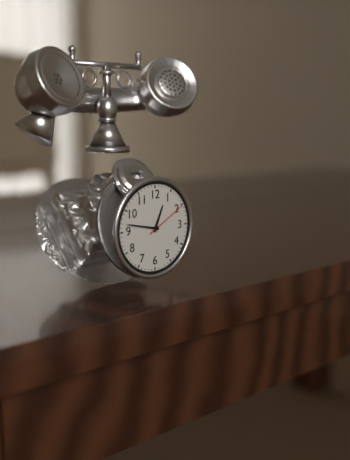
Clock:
12:47
